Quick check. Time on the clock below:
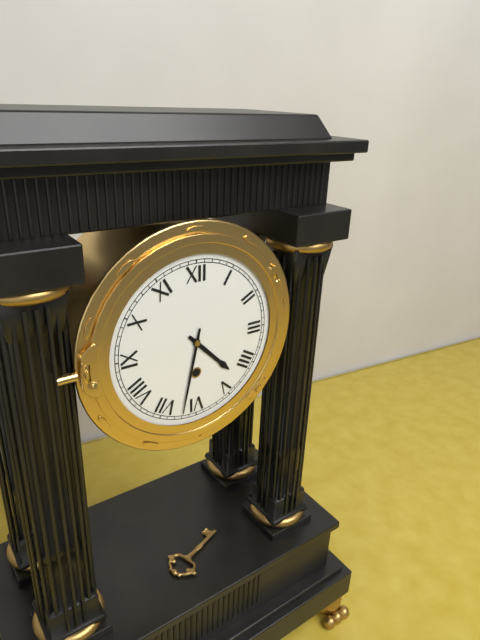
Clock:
4:32
